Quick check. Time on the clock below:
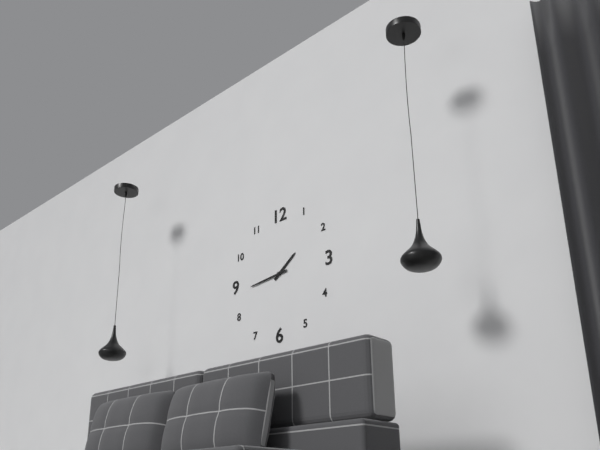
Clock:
1:44
